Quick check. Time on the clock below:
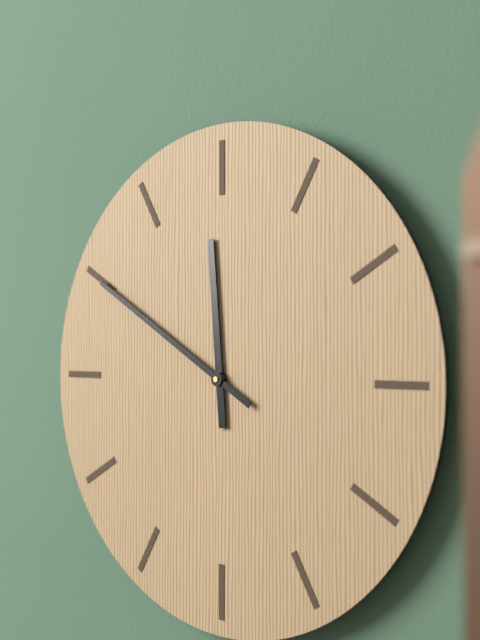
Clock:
11:50
